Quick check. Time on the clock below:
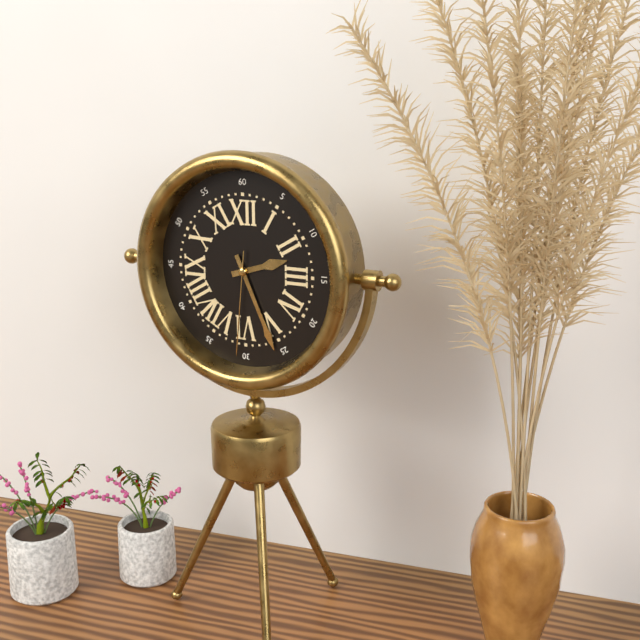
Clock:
2:26:31
